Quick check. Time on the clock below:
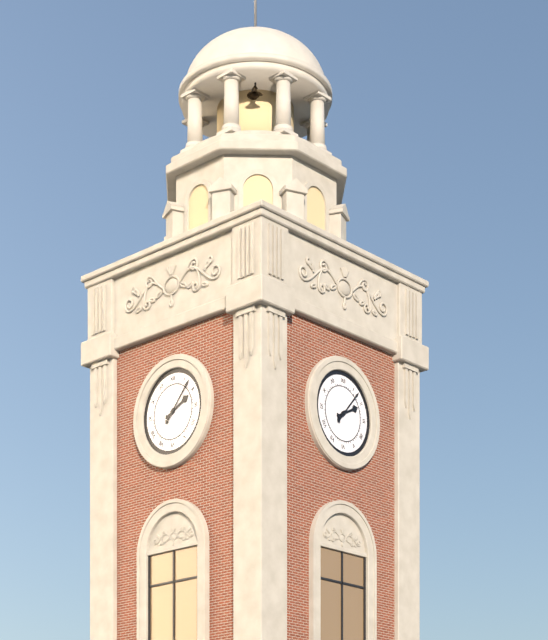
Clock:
2:07
